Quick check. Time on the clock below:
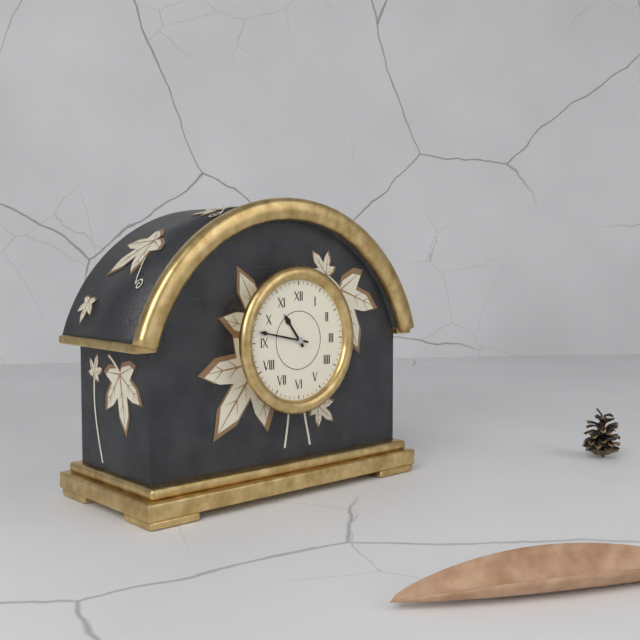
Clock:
10:47
